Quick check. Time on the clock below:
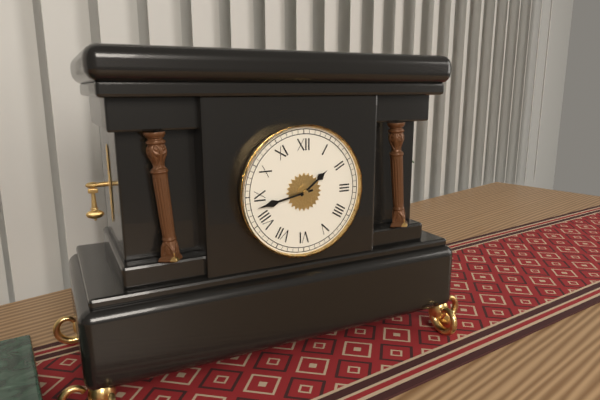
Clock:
1:43
